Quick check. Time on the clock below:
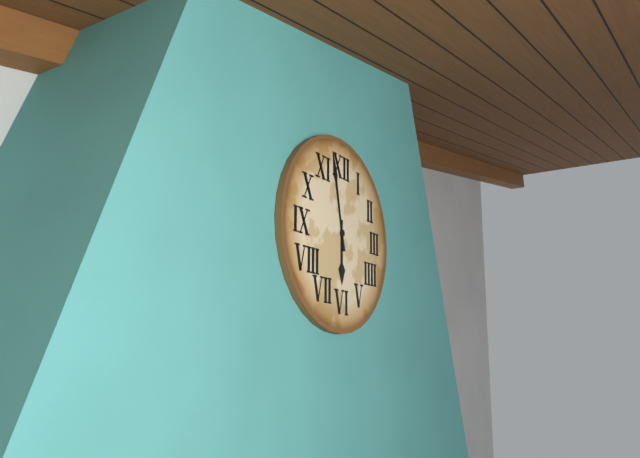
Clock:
5:58
